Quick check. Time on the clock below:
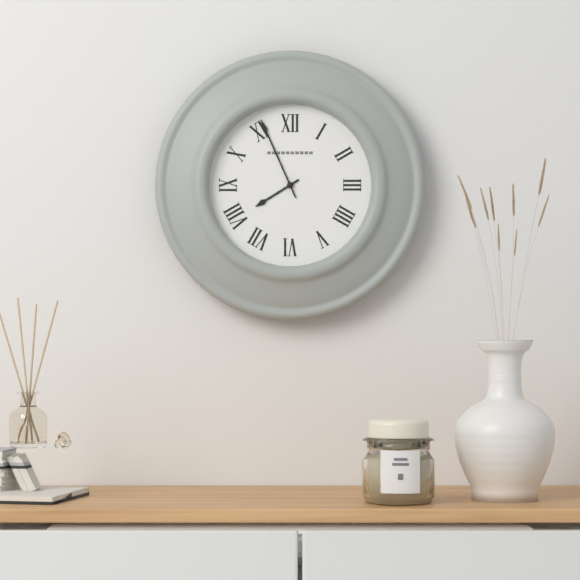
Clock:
7:56
